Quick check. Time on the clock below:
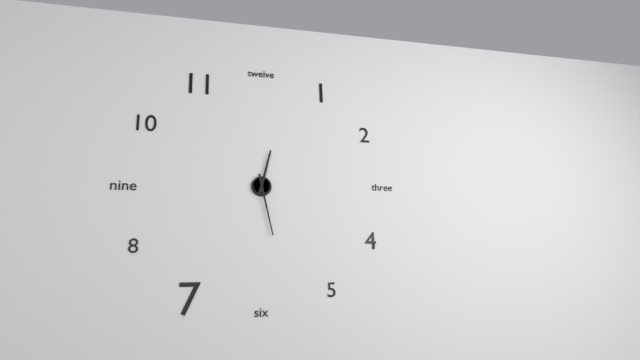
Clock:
12:28
